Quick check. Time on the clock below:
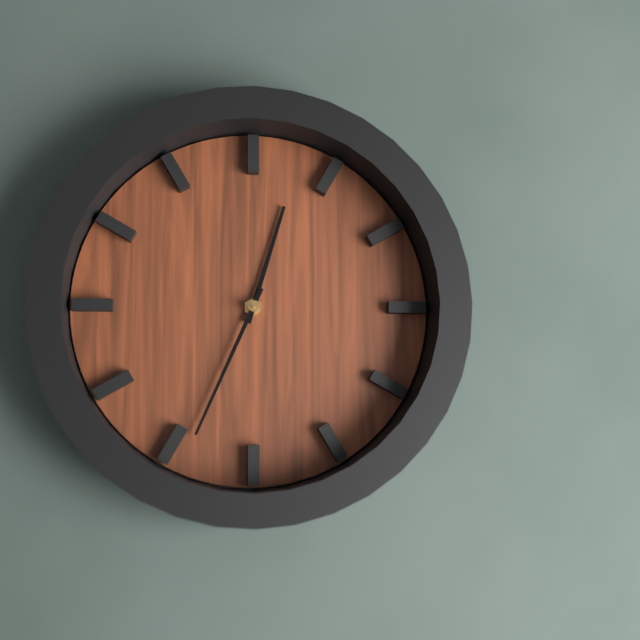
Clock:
12:34
